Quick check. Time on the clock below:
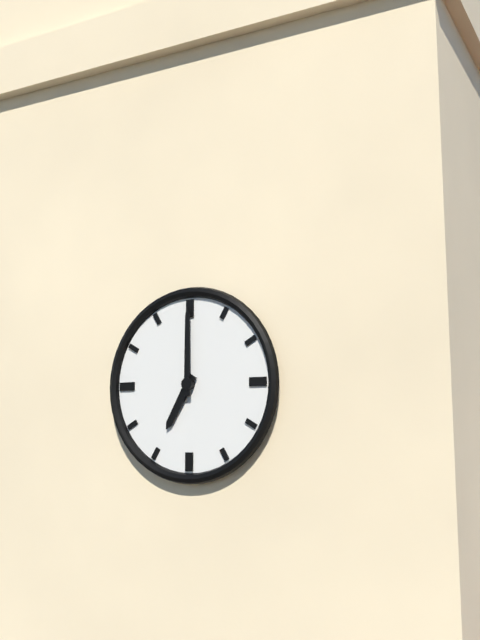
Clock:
7:00
